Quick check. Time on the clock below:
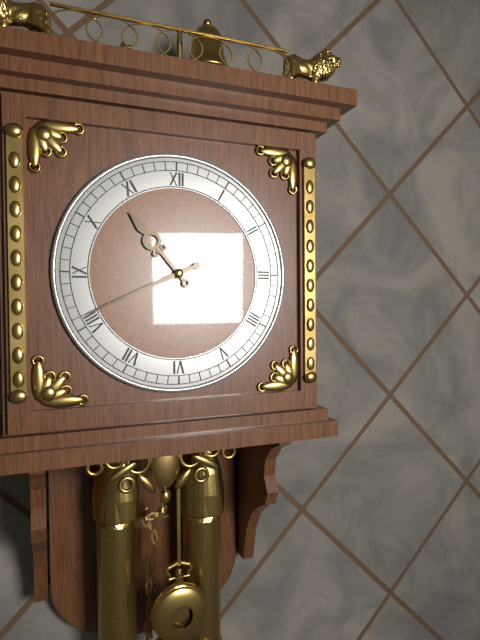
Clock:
10:41
